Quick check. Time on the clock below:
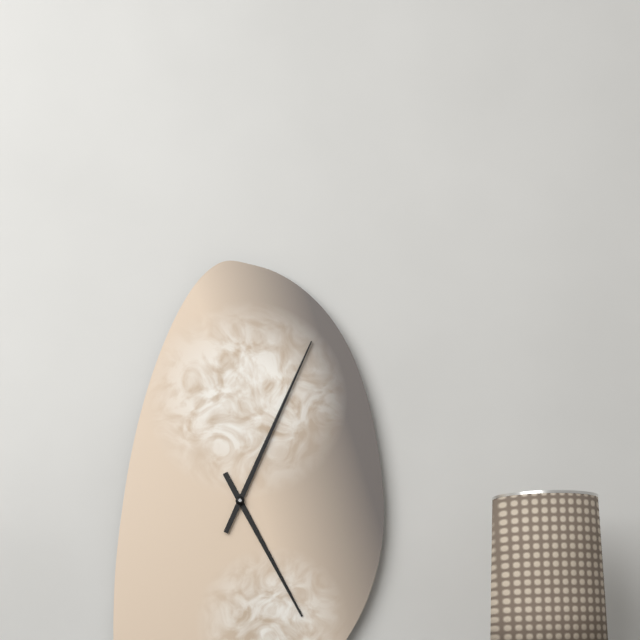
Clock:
5:04
